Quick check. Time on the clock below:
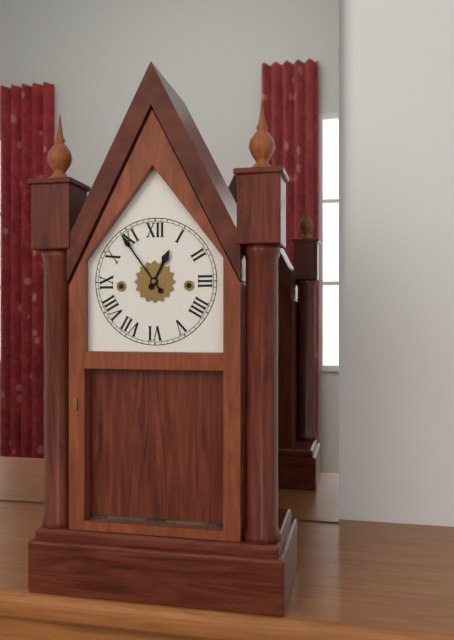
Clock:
12:54
